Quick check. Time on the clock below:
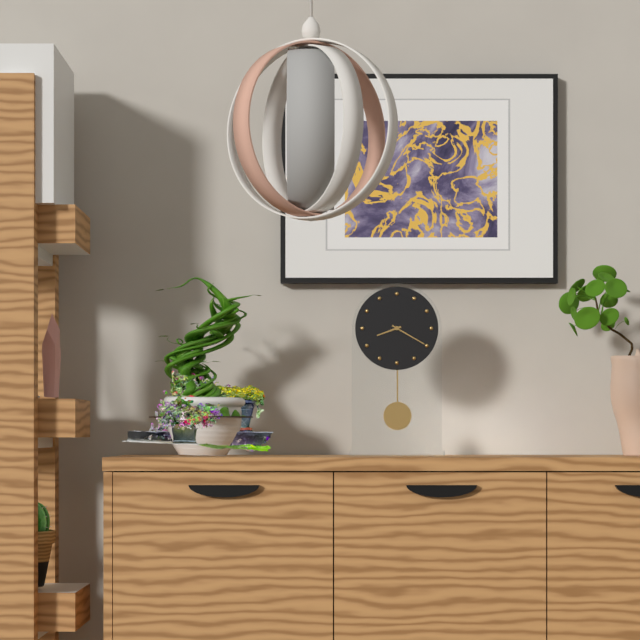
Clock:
8:20
